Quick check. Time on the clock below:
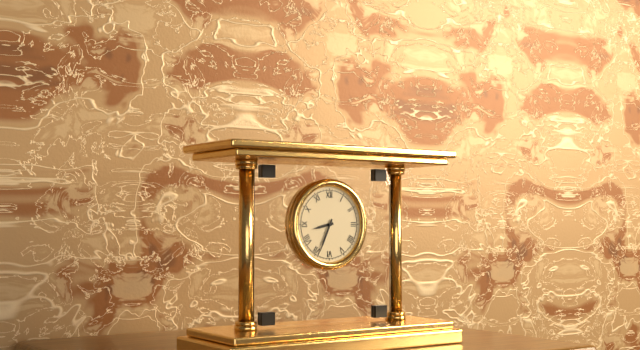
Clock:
8:34
